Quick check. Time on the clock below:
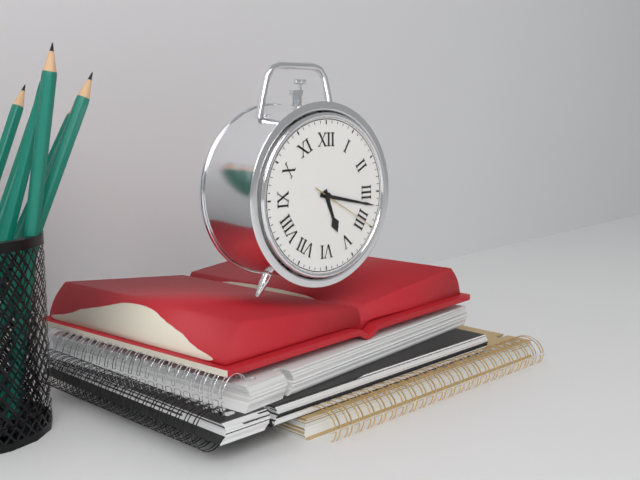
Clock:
5:17:20
